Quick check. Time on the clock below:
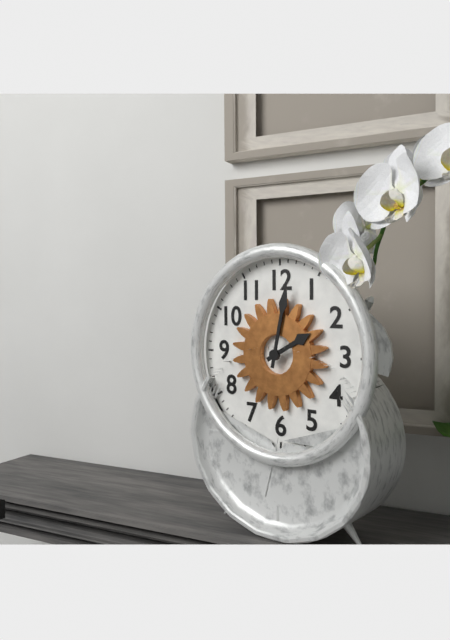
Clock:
2:02
